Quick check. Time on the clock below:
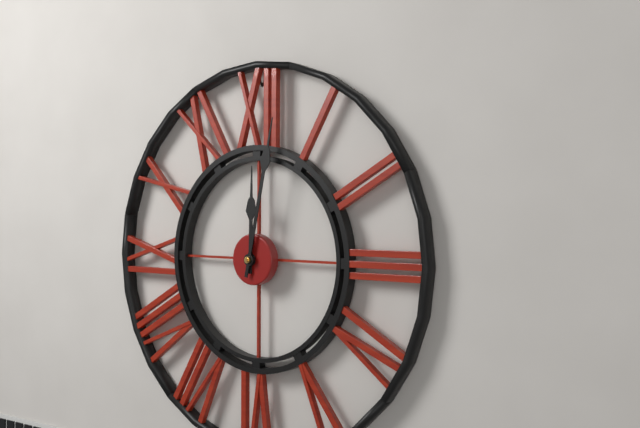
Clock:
12:02
